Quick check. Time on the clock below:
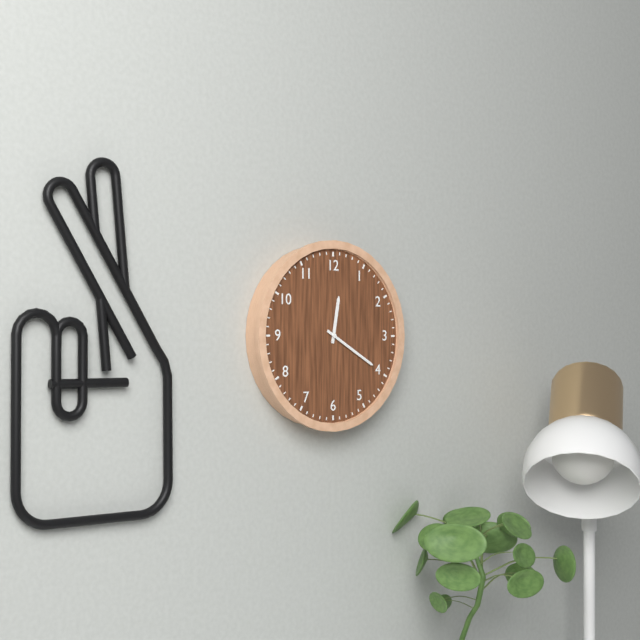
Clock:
12:20
